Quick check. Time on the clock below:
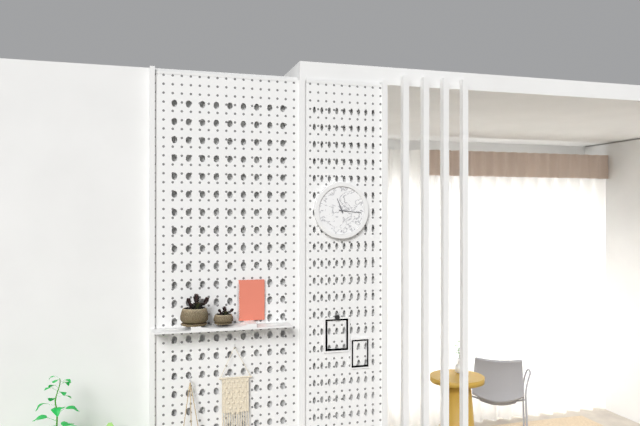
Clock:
11:16
